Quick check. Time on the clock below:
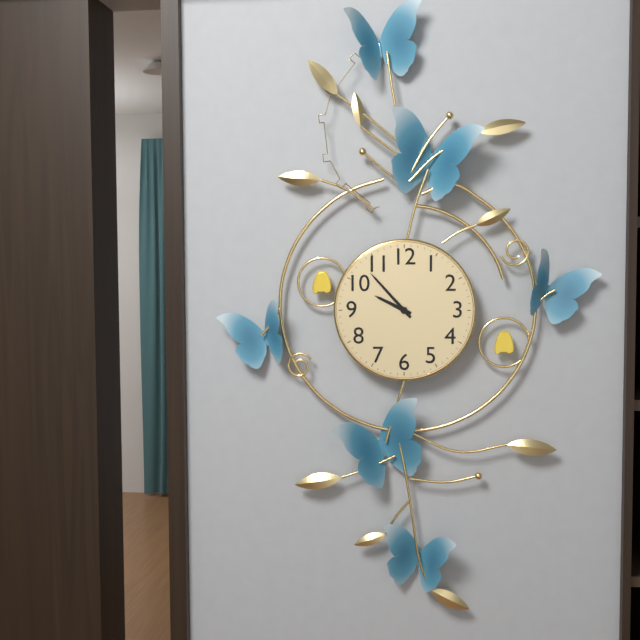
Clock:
9:53
